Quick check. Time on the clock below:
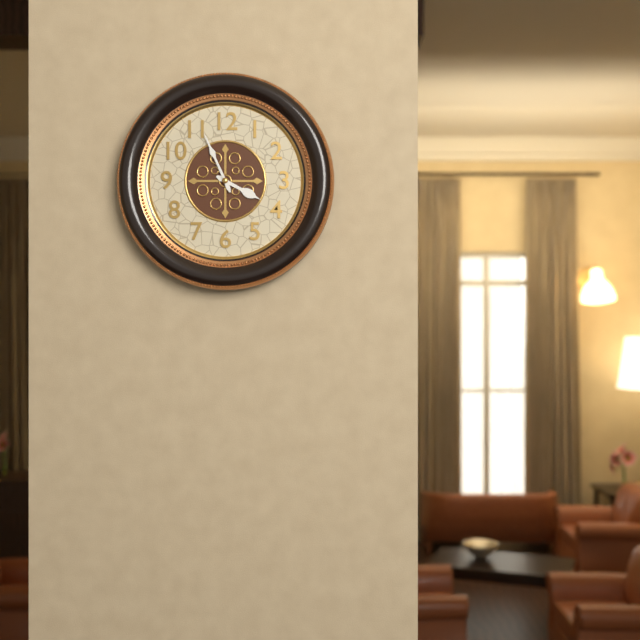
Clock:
3:56
